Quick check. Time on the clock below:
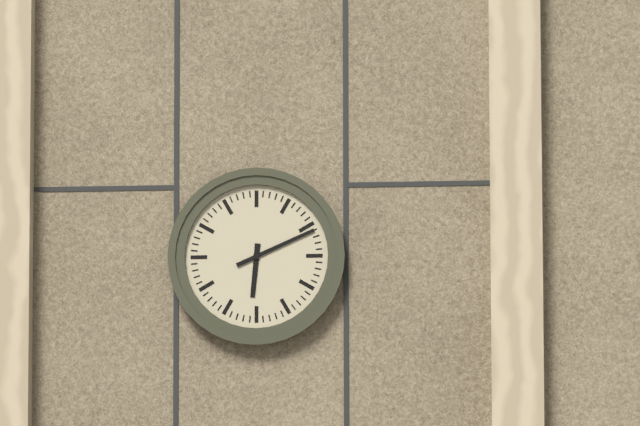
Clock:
6:11
